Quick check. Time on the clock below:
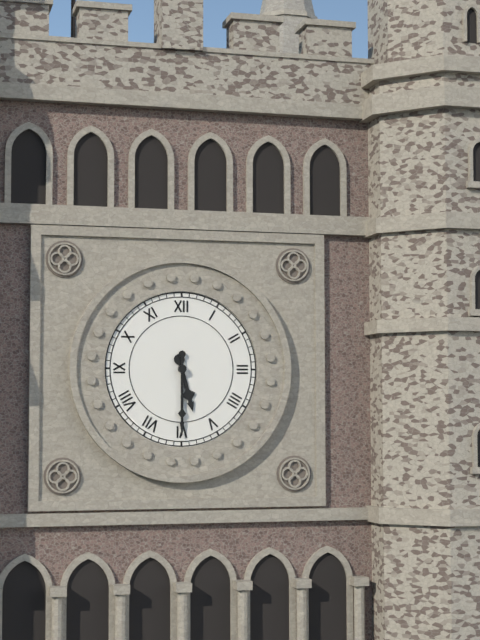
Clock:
5:30
